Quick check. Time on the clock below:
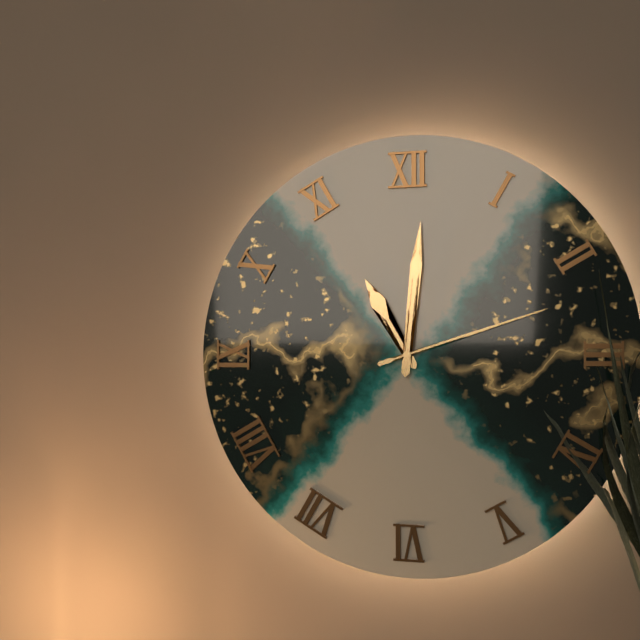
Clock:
11:01:12
